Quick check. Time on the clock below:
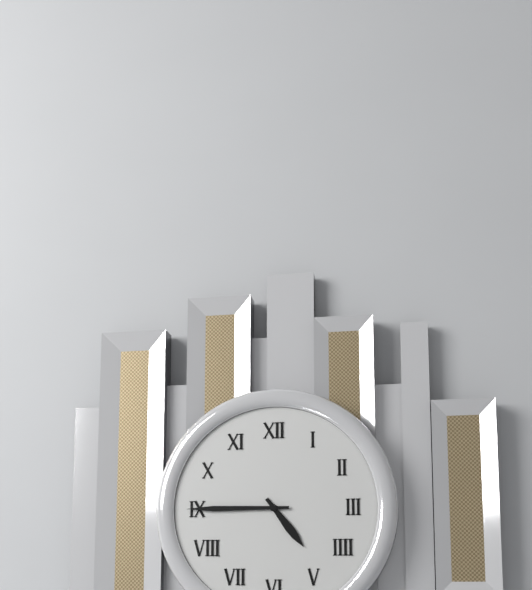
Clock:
4:45
